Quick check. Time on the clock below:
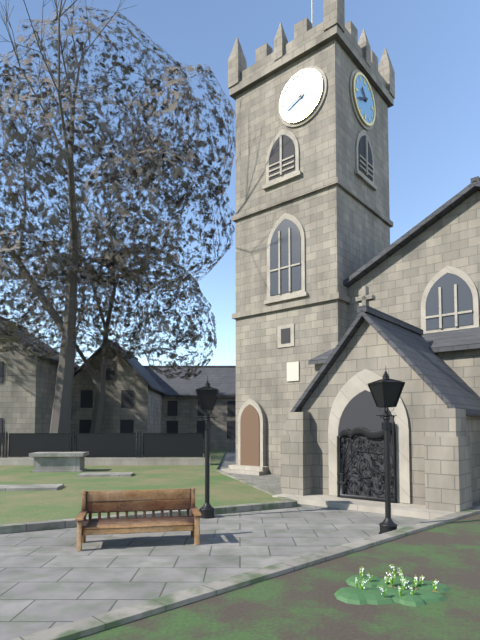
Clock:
10:41
